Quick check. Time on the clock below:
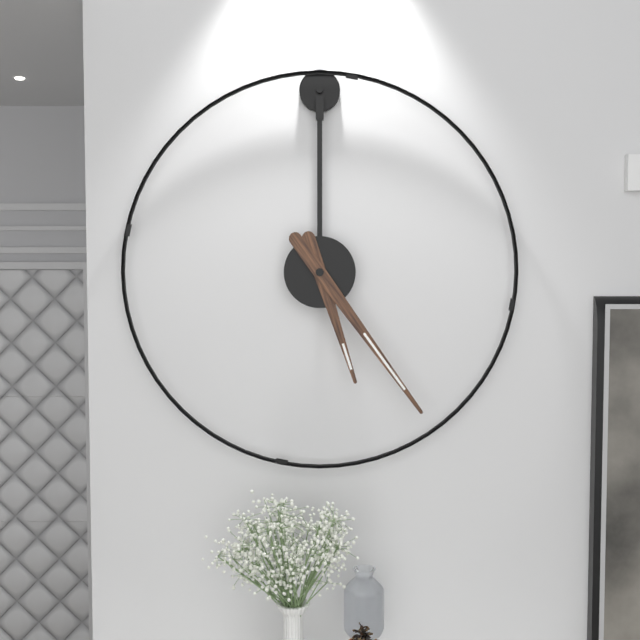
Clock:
5:24
